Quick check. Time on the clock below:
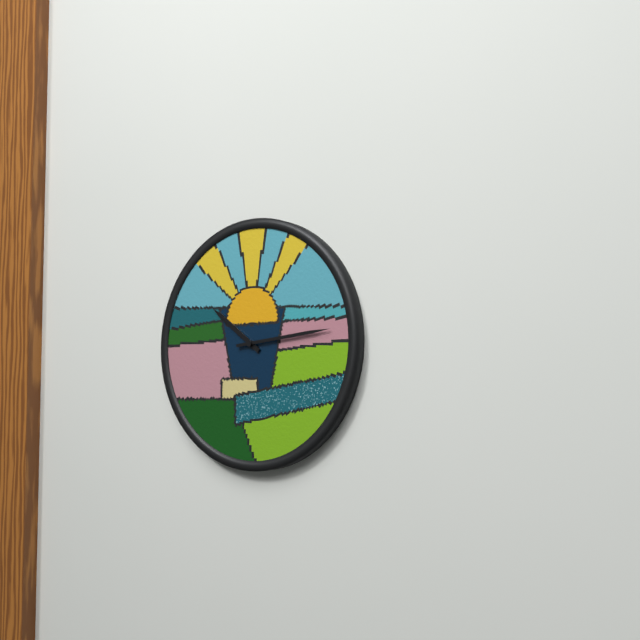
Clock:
10:14
